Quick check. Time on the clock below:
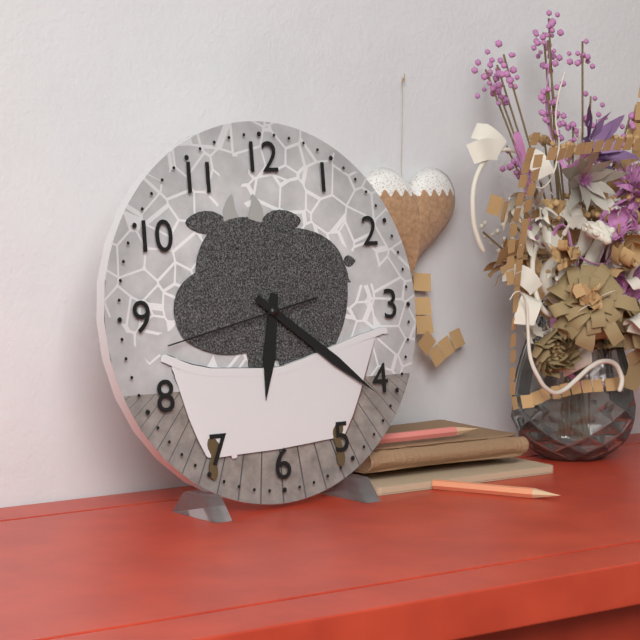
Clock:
6:21:43
